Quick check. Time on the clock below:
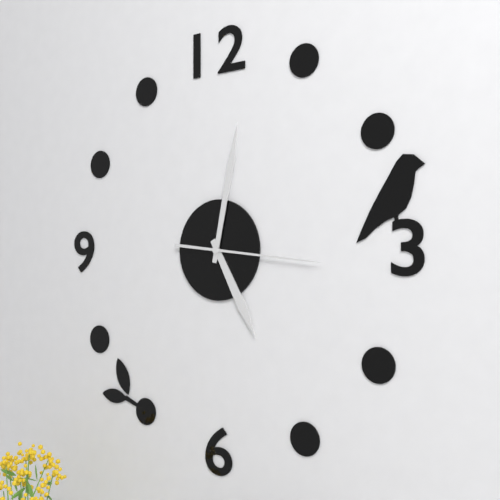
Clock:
5:02:16
